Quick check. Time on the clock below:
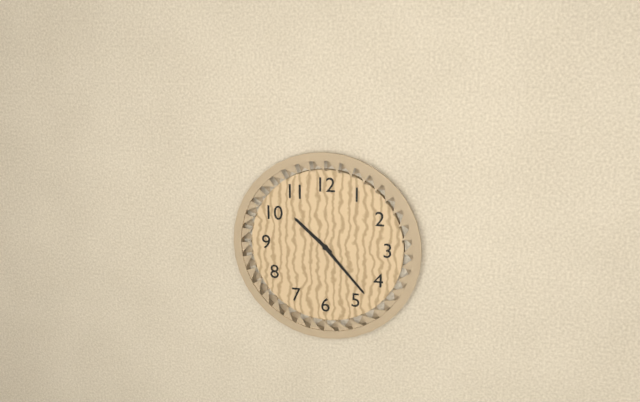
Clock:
10:23
